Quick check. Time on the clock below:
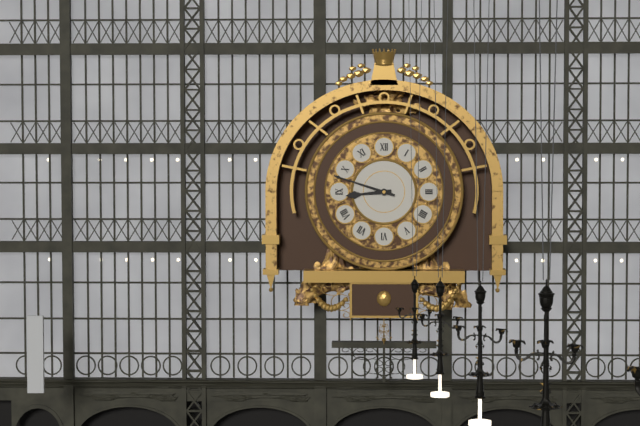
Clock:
8:48
